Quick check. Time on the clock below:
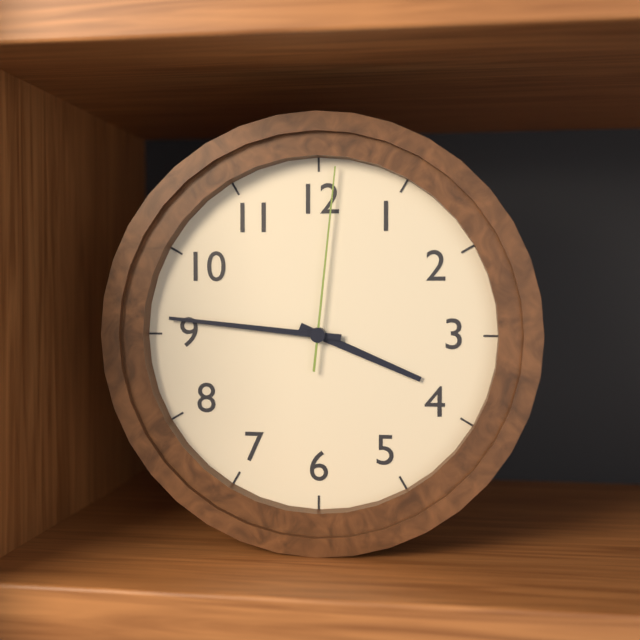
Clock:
3:46:01
